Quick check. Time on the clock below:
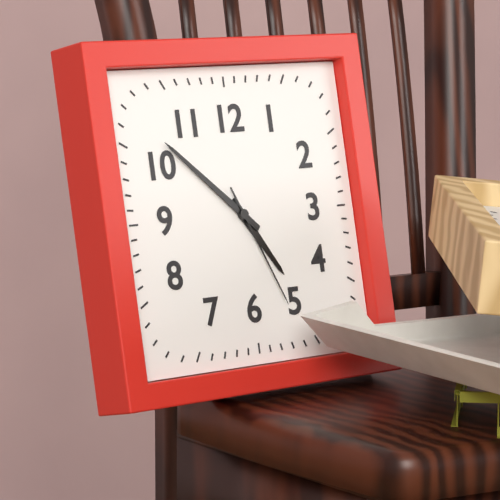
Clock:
4:52:26
